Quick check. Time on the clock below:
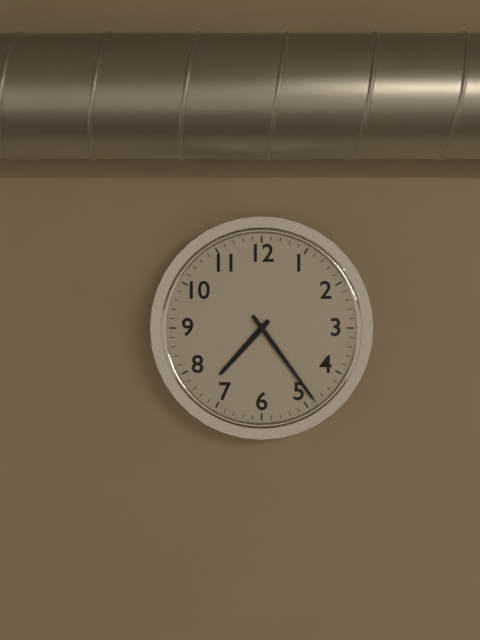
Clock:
7:24
